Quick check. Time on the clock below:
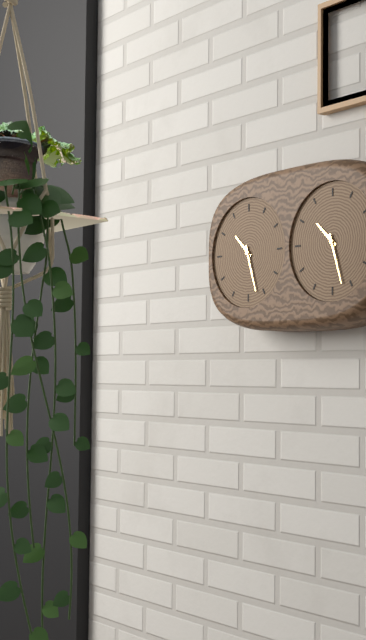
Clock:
10:27
